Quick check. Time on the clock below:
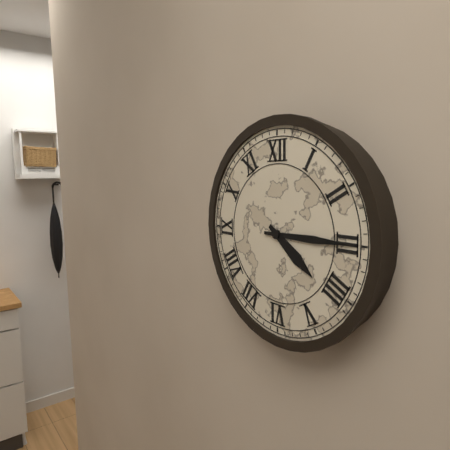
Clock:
4:15
